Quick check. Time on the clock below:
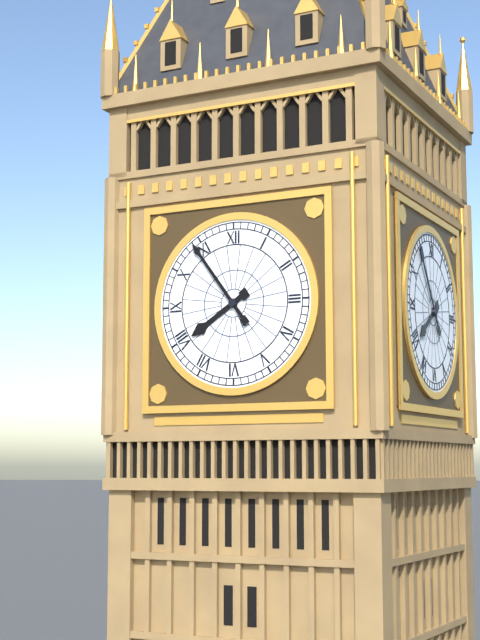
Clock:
7:54
